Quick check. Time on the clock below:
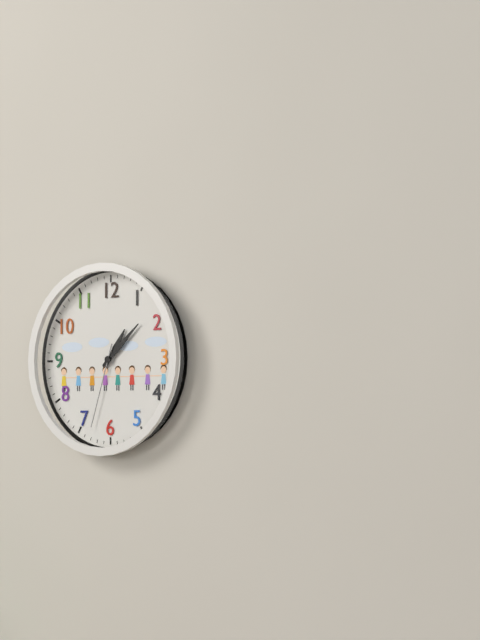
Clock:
1:08:33
